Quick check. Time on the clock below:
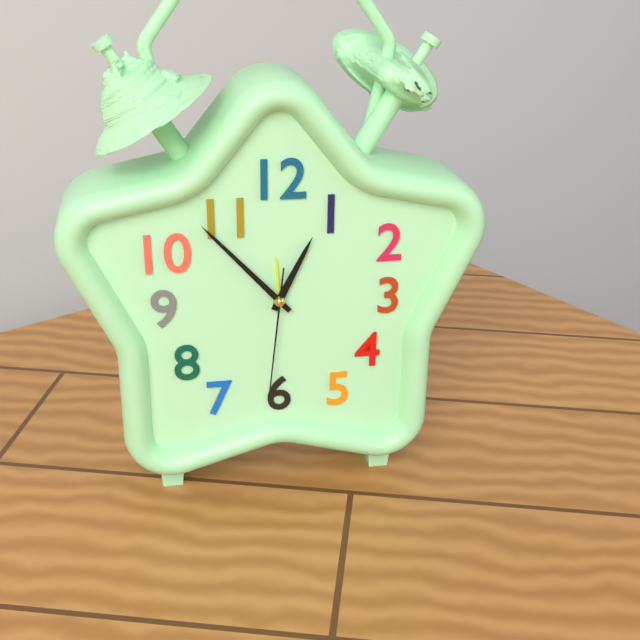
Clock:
12:53:31
